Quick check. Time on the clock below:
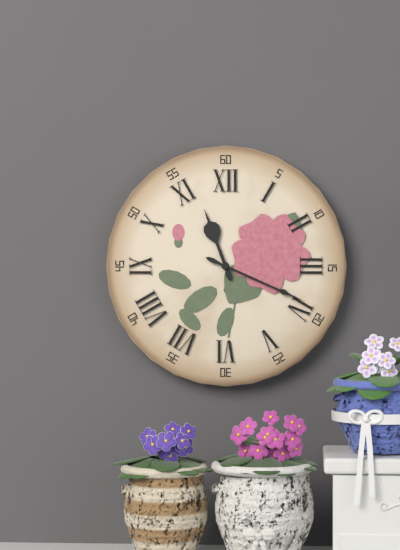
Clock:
11:19
